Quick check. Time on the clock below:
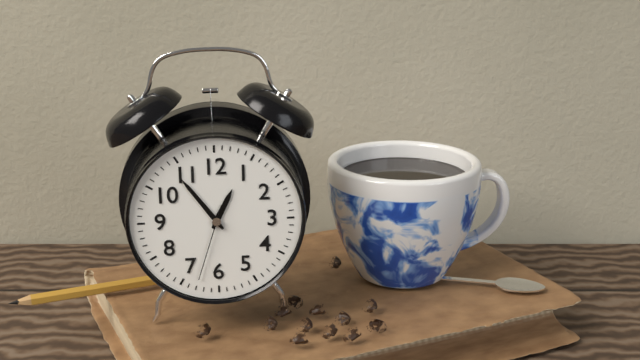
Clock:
12:54:33
